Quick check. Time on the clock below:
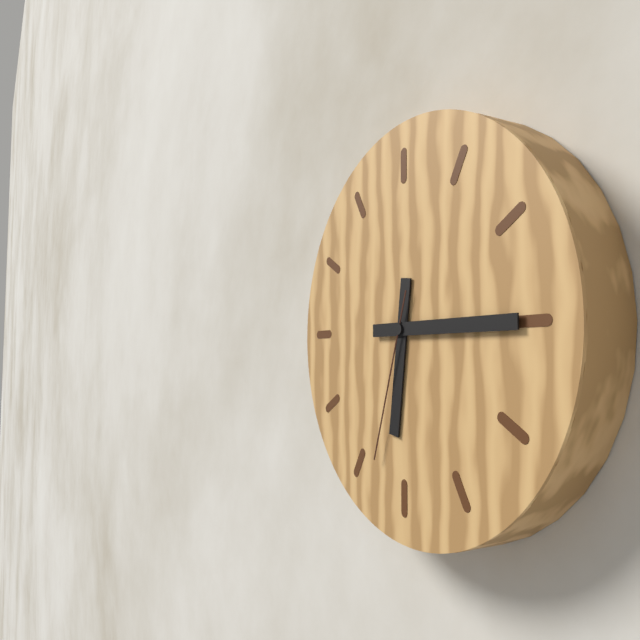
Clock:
6:15:33
